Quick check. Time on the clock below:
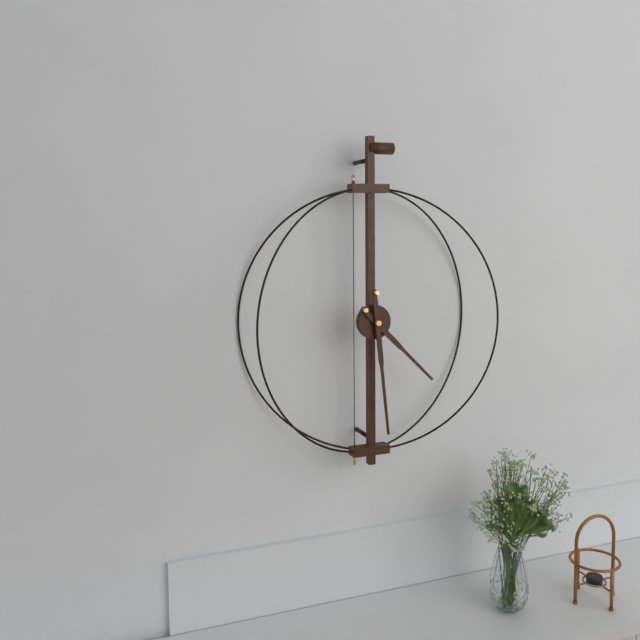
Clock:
4:29
